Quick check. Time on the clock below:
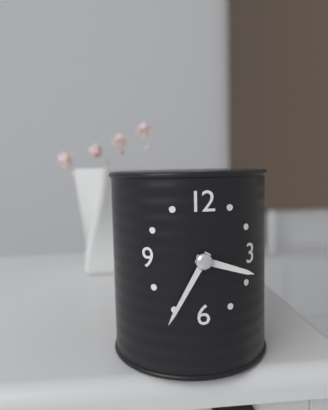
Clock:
3:35
